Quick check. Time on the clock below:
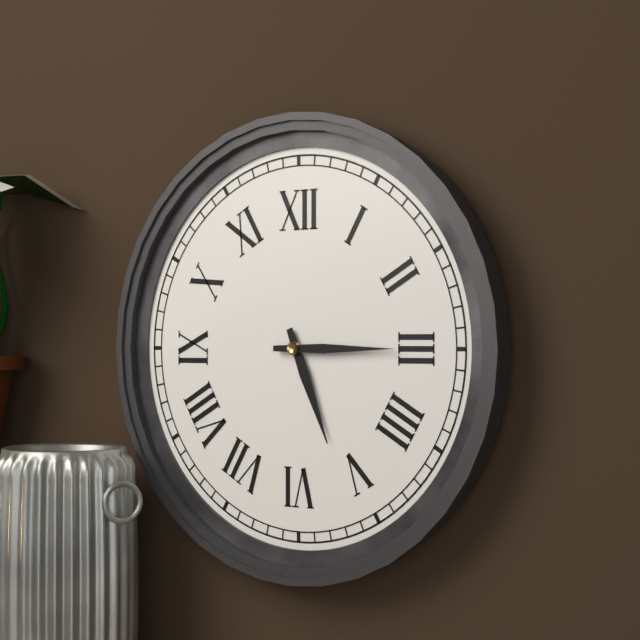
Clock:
5:15
